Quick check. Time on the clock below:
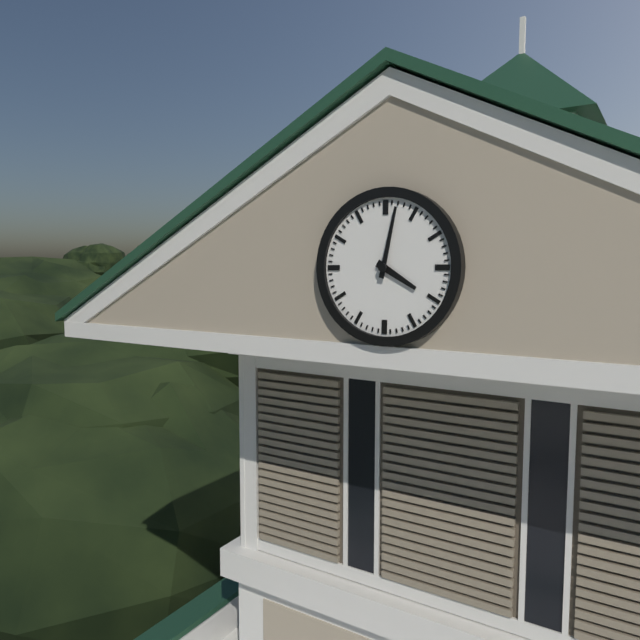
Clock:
4:02
